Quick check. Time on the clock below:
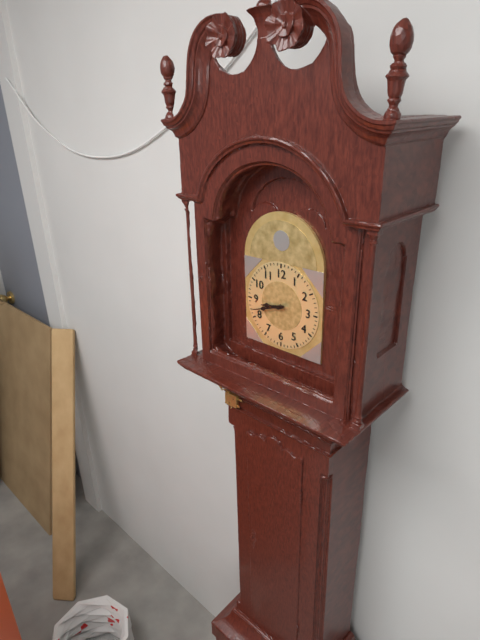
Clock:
8:42
